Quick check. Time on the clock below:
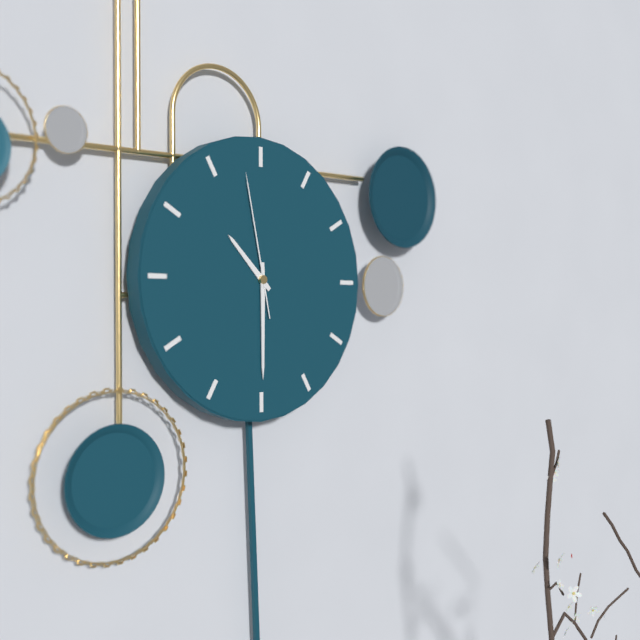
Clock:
10:30:58
